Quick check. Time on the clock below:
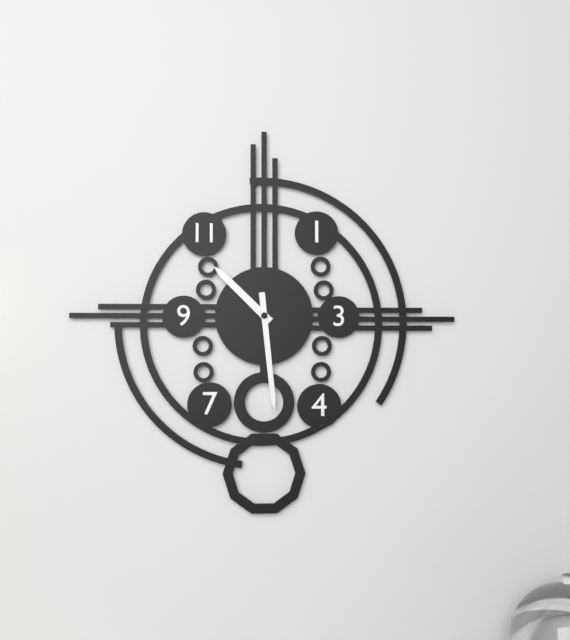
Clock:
10:29
